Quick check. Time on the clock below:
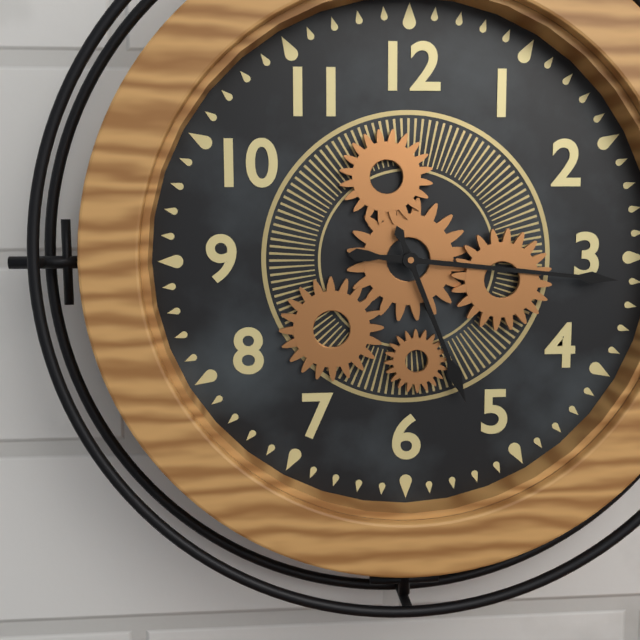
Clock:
5:16
